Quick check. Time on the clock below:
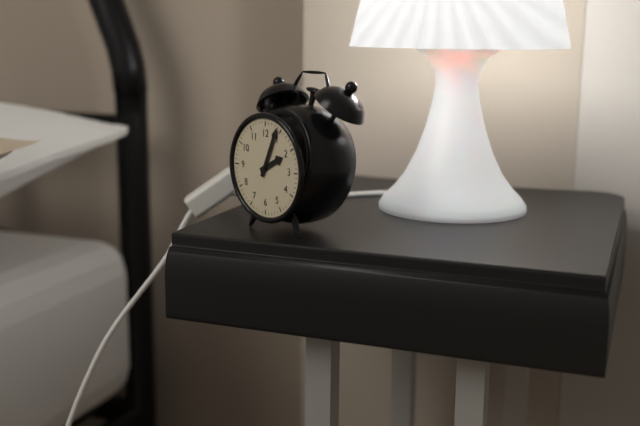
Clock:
2:04
